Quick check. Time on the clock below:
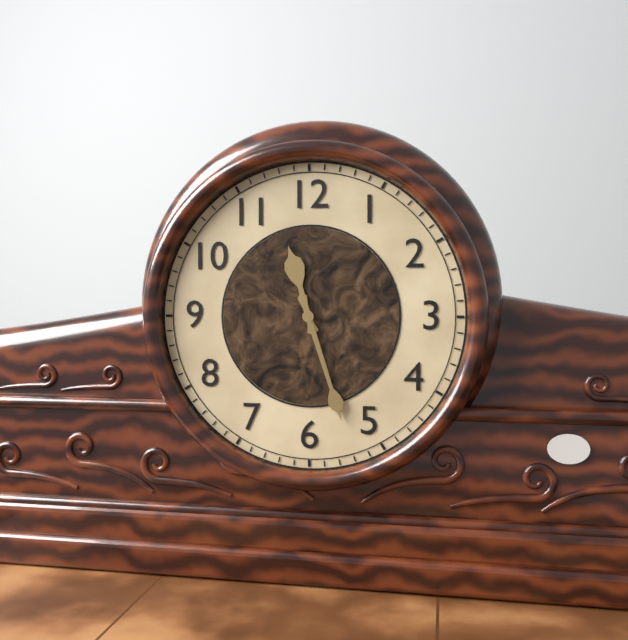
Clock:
11:27
